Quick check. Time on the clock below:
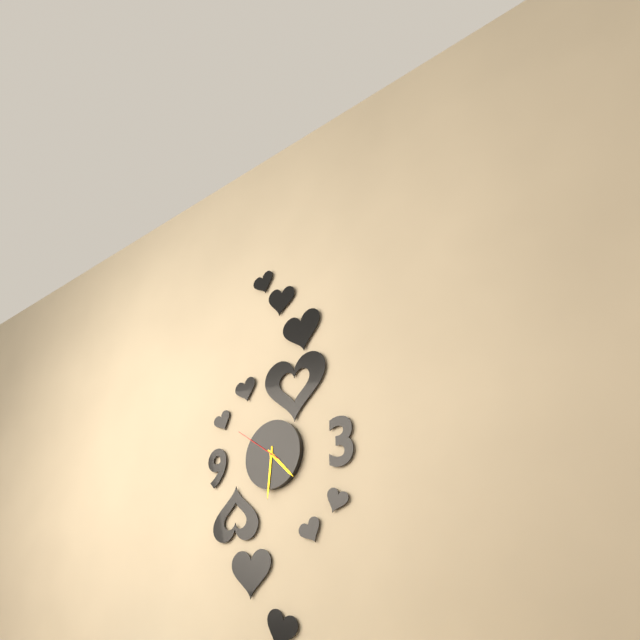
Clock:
4:31:51
